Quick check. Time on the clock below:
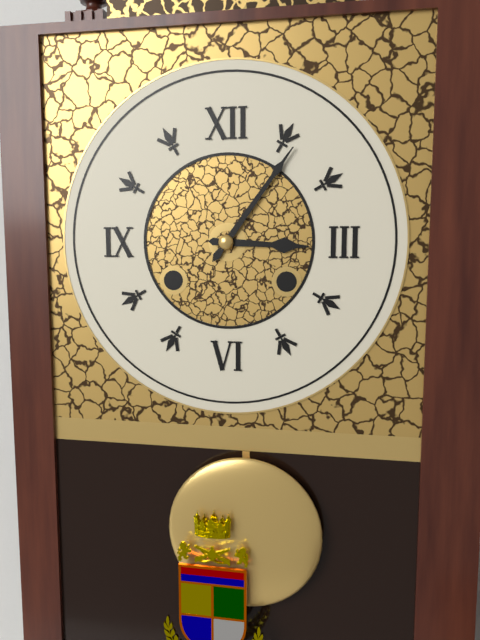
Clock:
3:06
